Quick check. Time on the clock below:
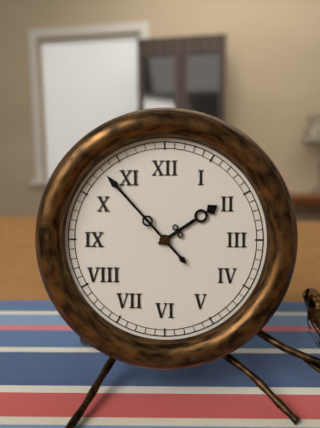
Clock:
1:53
